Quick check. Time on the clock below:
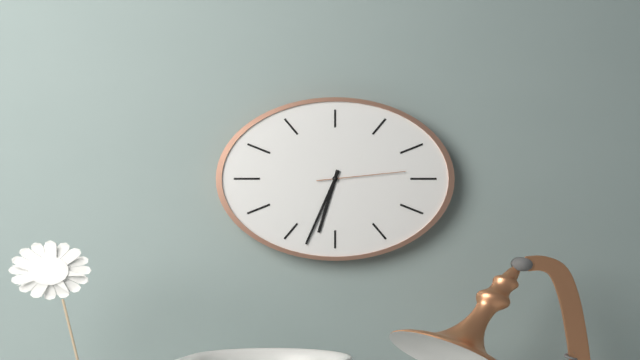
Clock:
6:34:14
